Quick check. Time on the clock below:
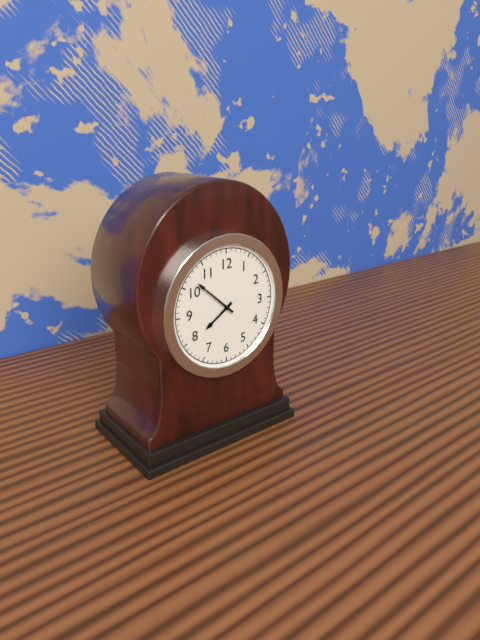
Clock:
7:52
